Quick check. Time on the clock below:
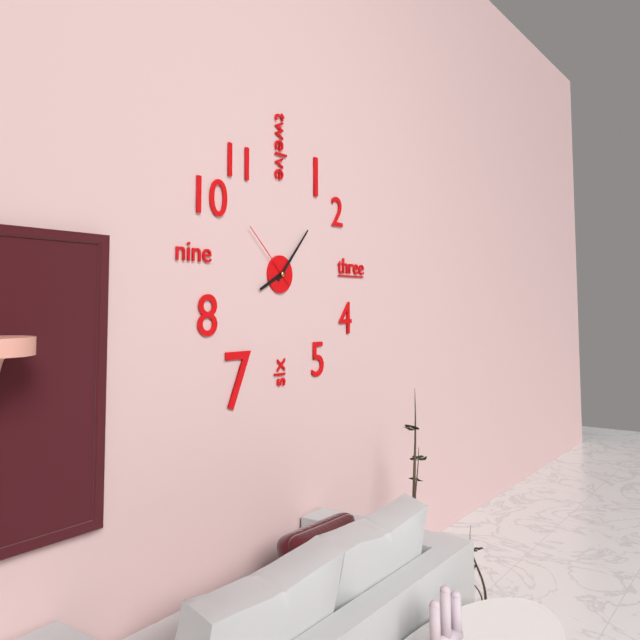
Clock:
8:07:52
